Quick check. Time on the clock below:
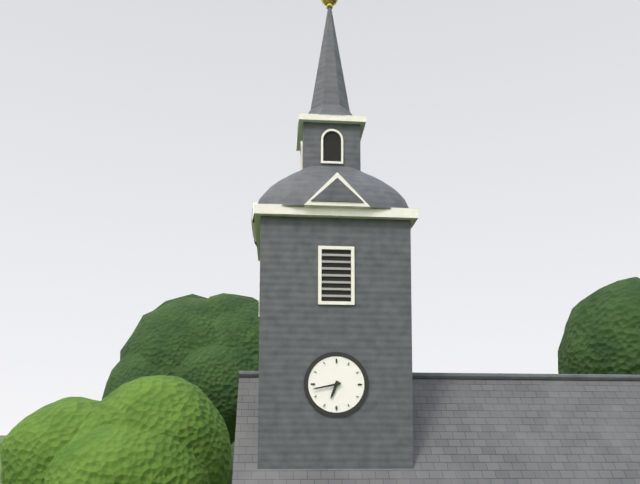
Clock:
6:43
